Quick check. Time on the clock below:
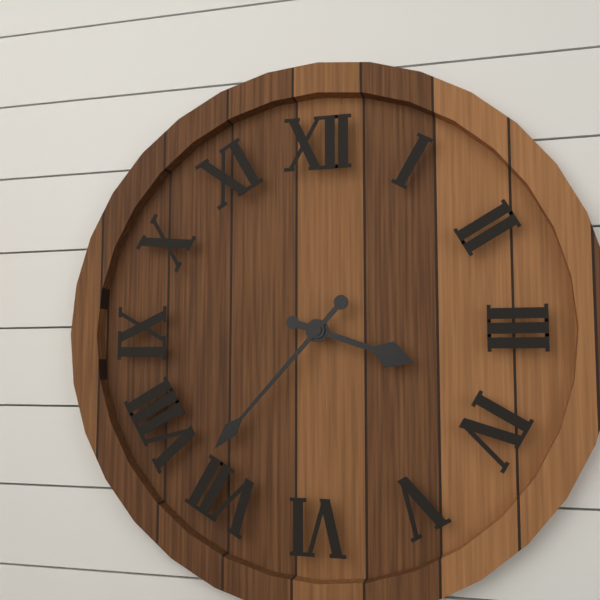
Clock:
3:37
